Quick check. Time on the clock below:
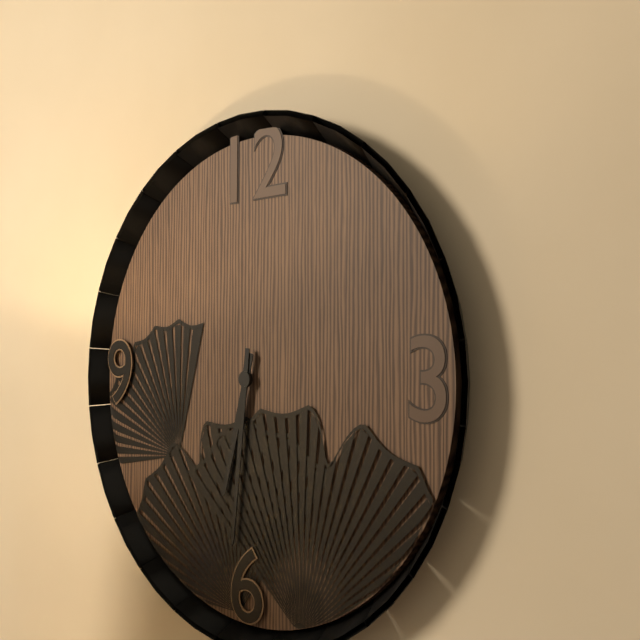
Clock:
6:31
